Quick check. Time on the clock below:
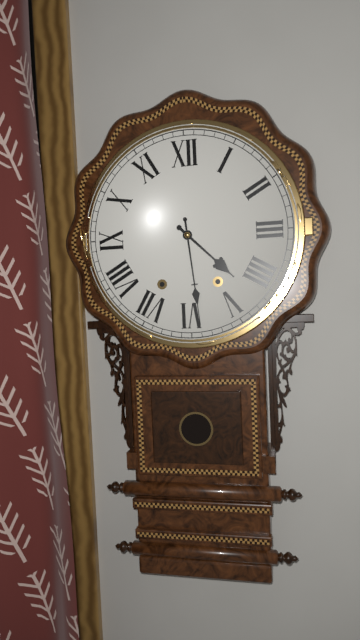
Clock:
4:29
